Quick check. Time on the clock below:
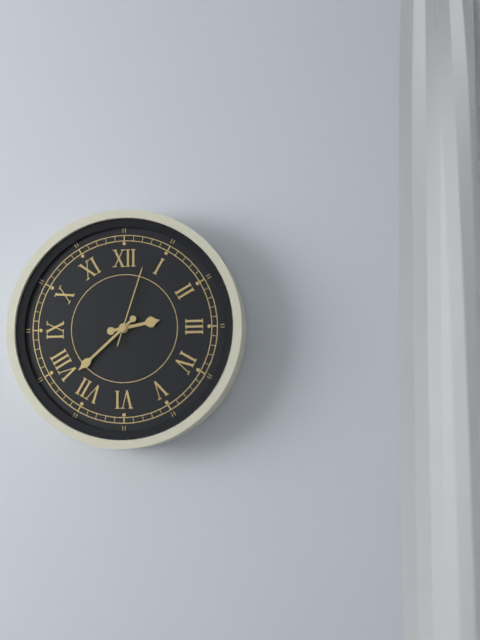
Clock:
2:38:03
